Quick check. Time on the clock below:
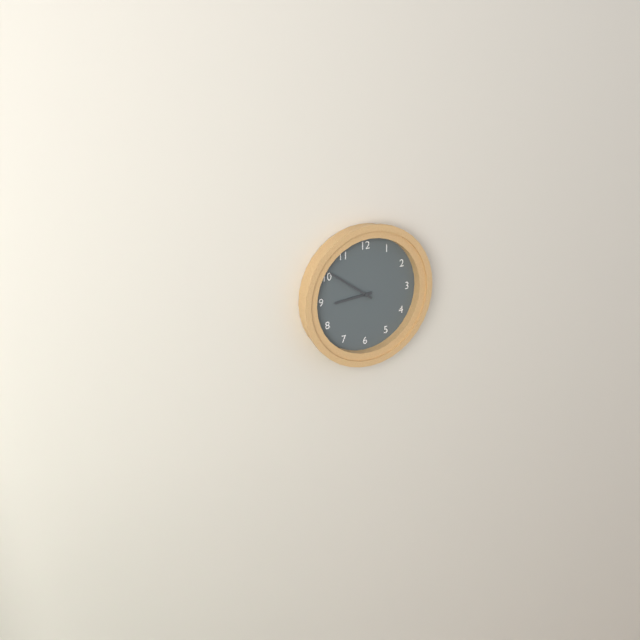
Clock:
8:51
